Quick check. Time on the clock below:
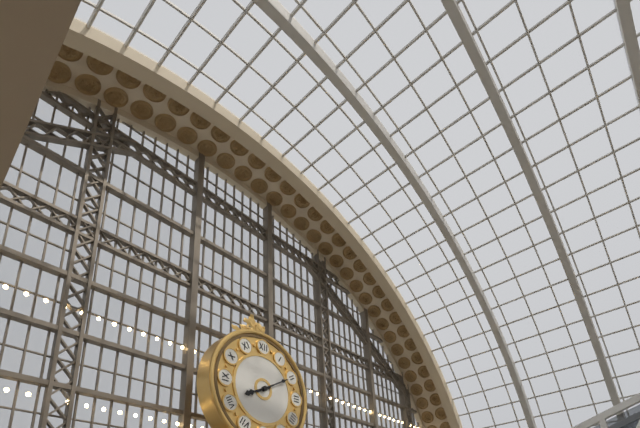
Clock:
8:10
